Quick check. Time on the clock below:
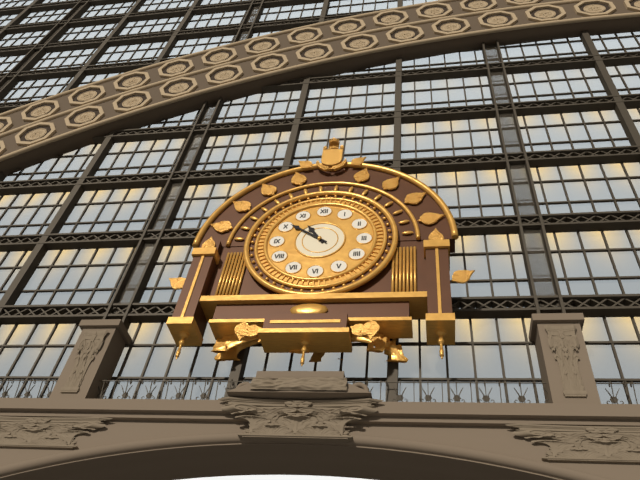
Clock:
10:51
